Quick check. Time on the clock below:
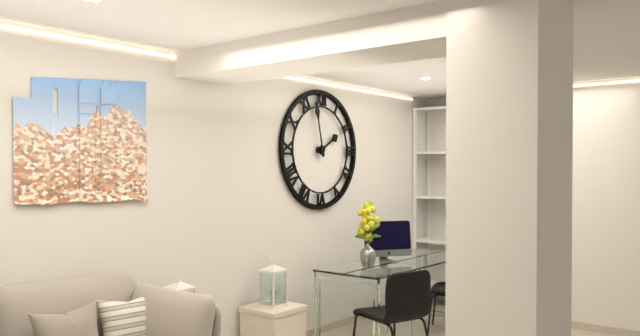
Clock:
1:58
